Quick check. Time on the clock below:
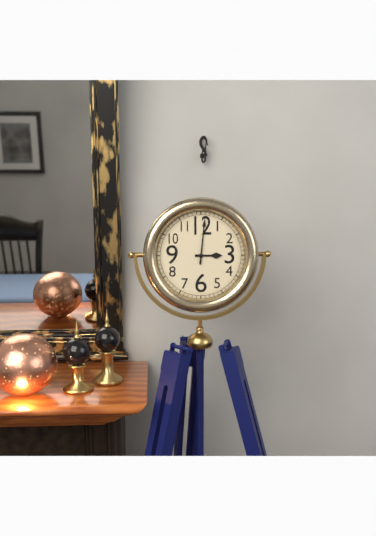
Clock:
3:01
